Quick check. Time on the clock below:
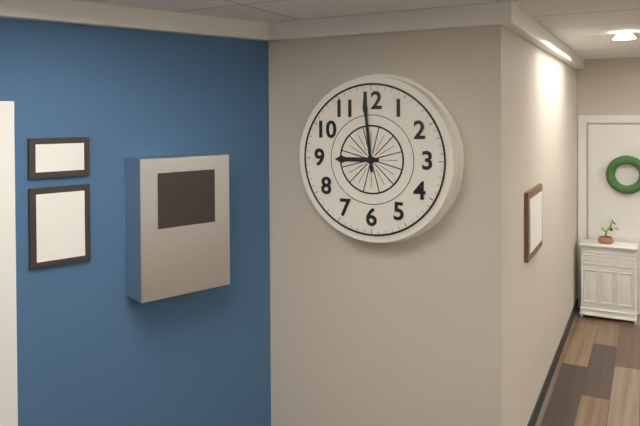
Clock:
8:59
